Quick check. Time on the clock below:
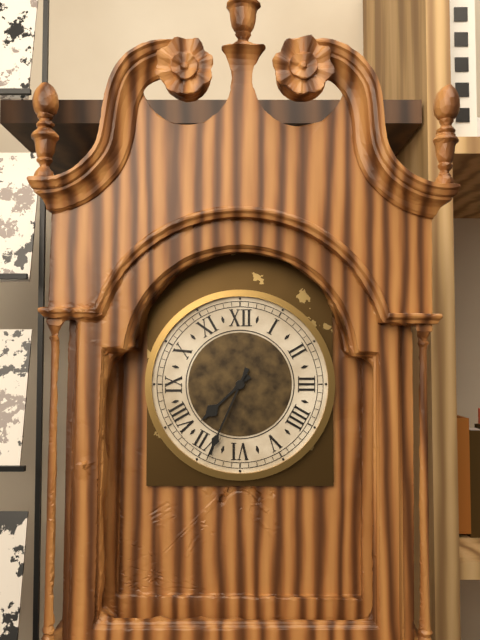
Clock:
7:34
